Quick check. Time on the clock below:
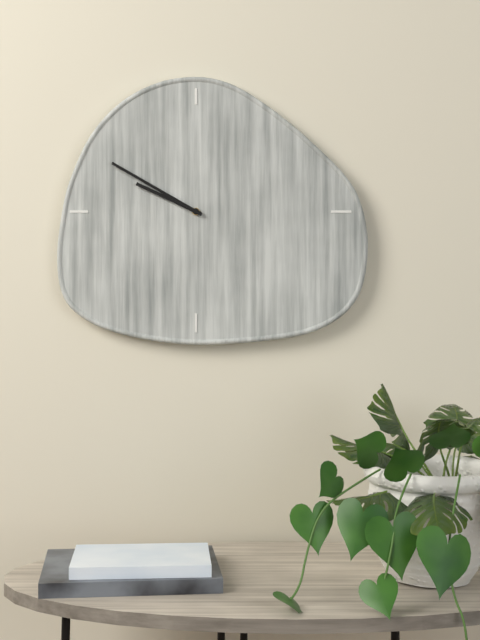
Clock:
9:50
